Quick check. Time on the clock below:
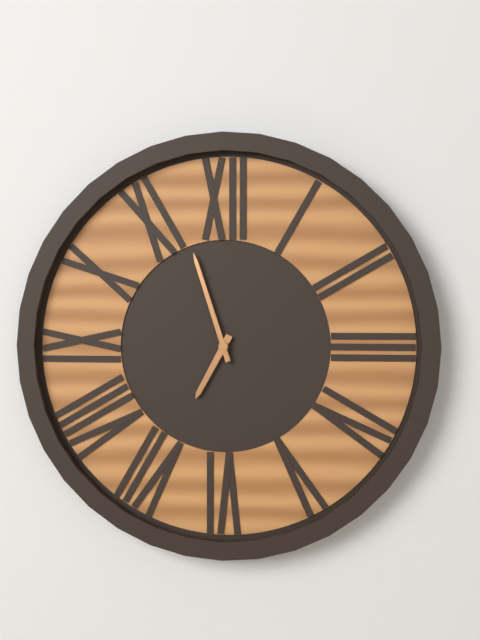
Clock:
6:57
